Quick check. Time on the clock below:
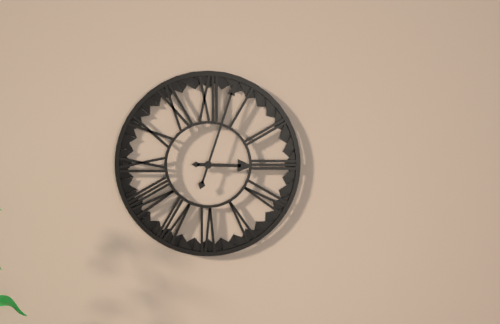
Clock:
3:03
